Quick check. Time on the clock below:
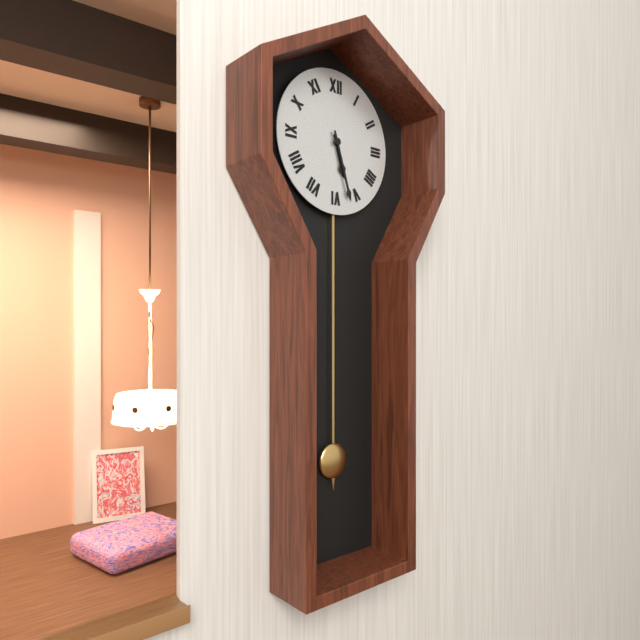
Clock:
5:27
